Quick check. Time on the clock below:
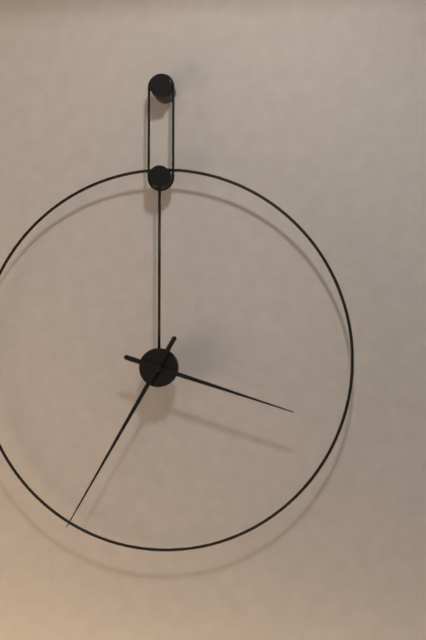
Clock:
3:35
